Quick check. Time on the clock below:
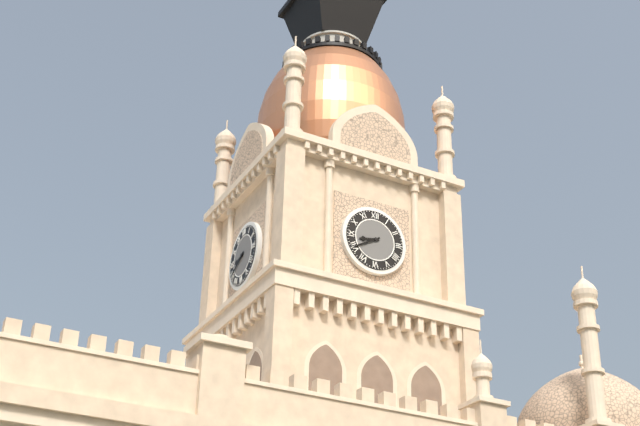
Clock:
8:40
